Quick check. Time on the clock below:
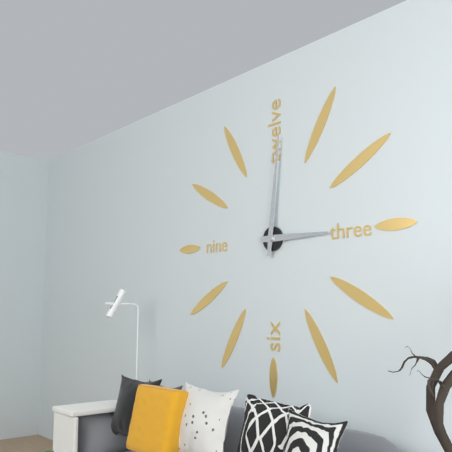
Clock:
3:01
